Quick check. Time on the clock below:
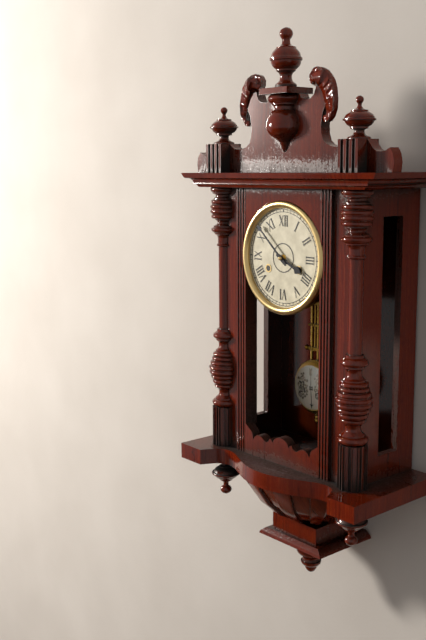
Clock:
3:52
